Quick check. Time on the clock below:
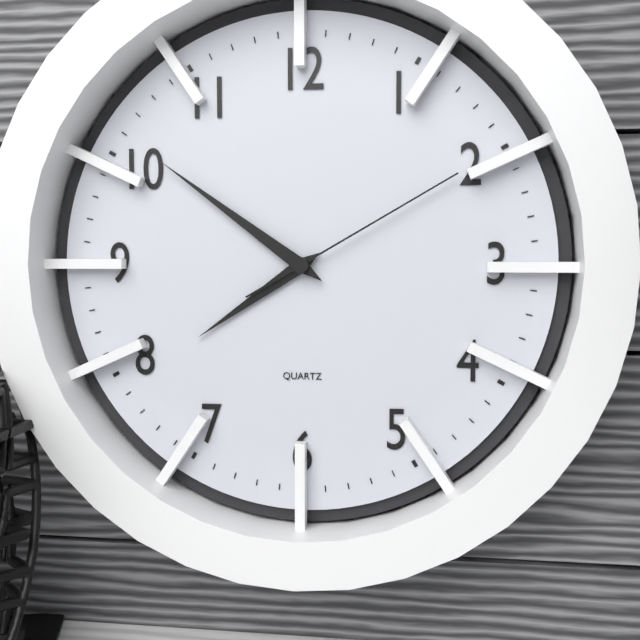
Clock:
7:51:10
